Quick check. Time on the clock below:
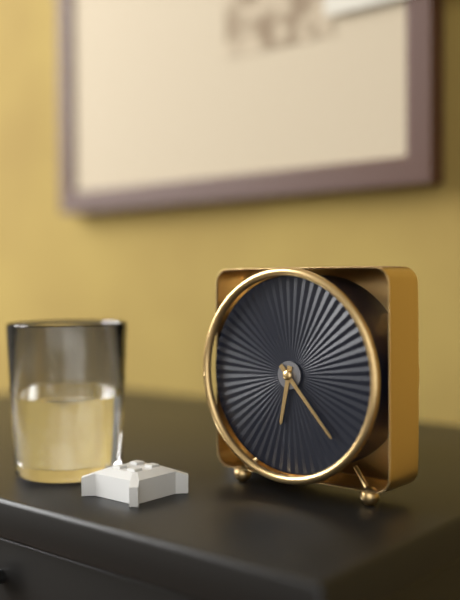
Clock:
6:23
